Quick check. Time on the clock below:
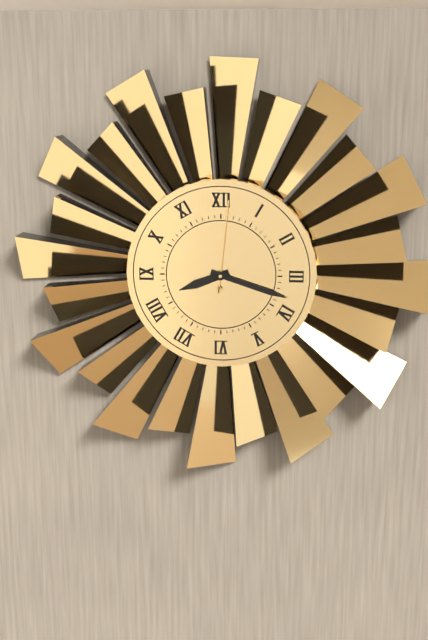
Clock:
8:18:01
